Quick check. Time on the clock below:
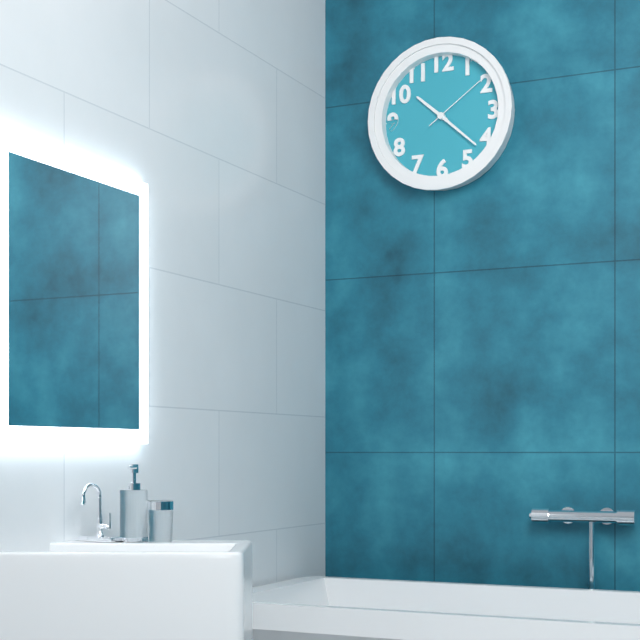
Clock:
10:22:09
